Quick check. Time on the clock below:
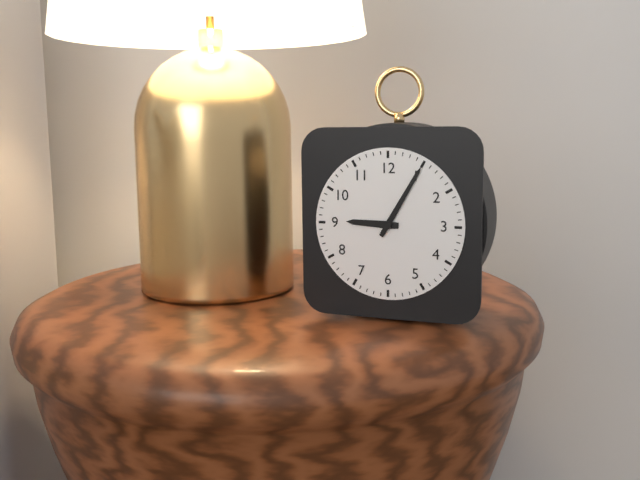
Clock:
9:05
